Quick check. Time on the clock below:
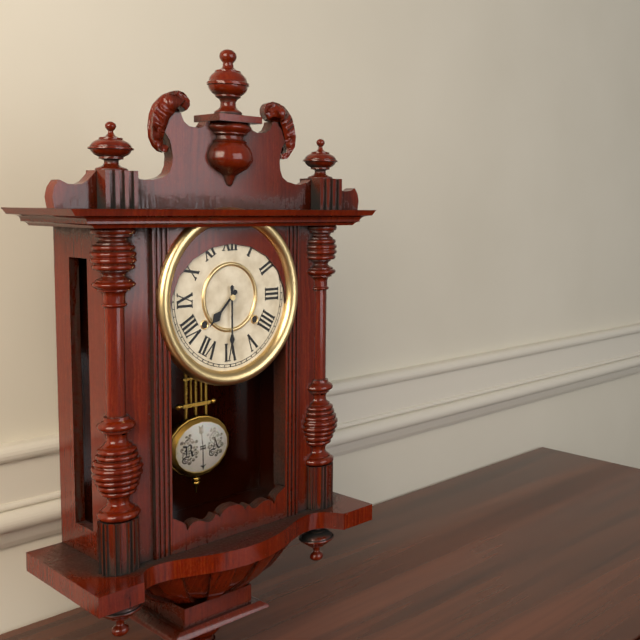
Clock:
7:30
